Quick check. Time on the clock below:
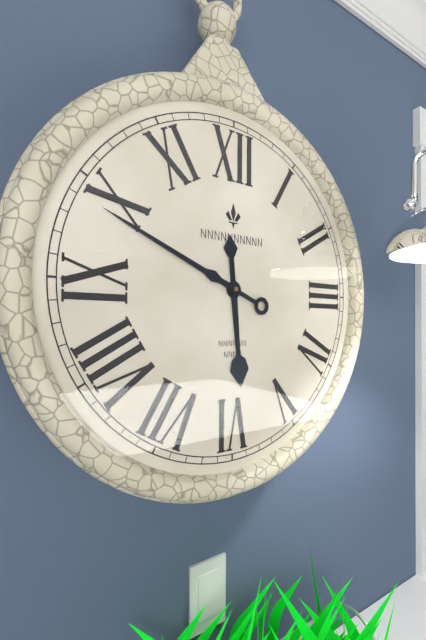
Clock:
5:49
